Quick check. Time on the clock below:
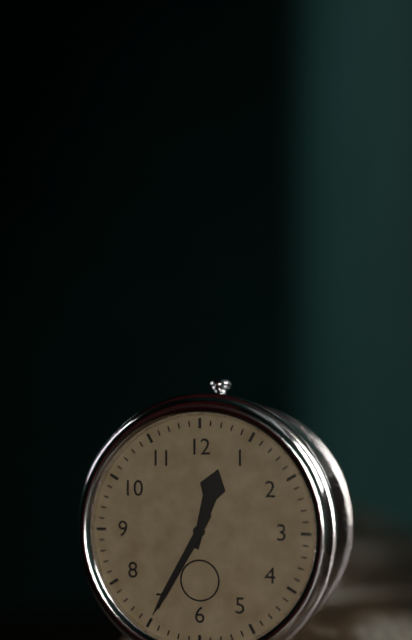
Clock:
12:35
